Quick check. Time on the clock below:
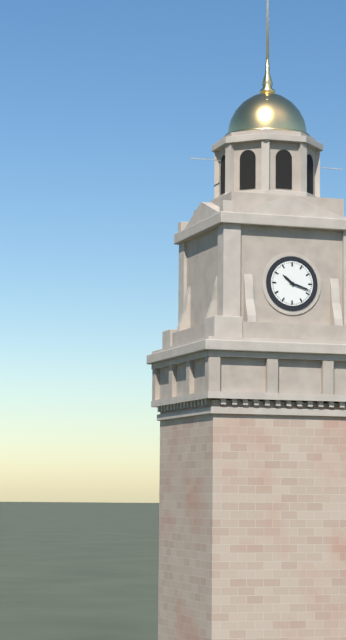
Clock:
10:18
